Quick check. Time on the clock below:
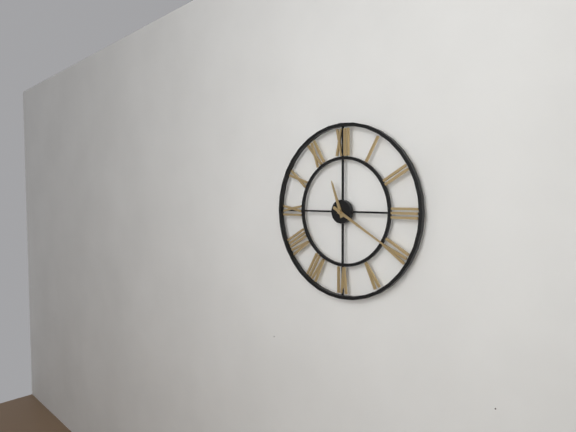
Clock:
11:20
